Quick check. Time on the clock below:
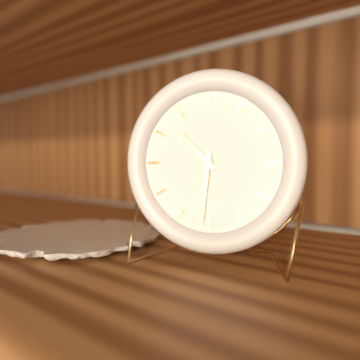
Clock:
10:31
